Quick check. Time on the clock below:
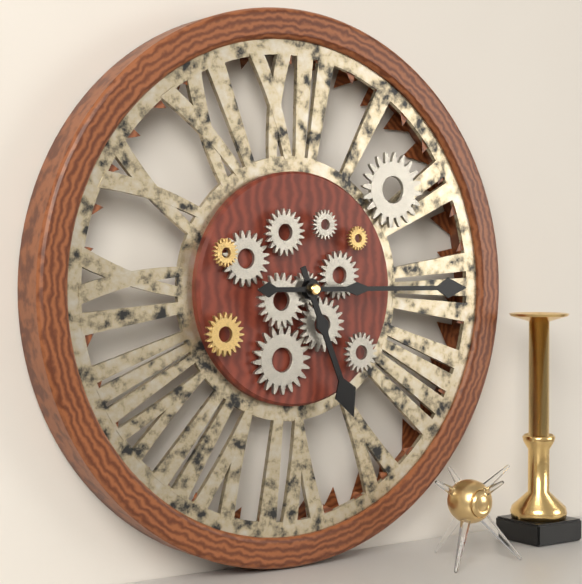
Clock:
5:15
